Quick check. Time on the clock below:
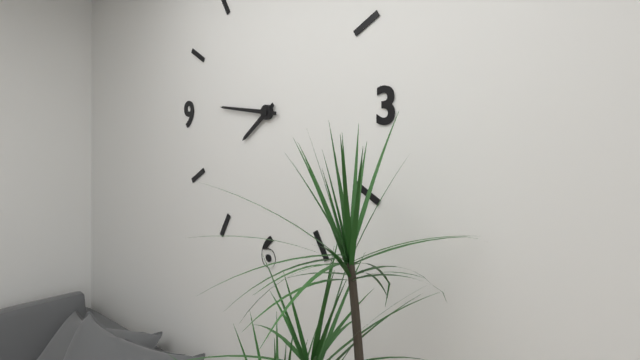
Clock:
7:46
